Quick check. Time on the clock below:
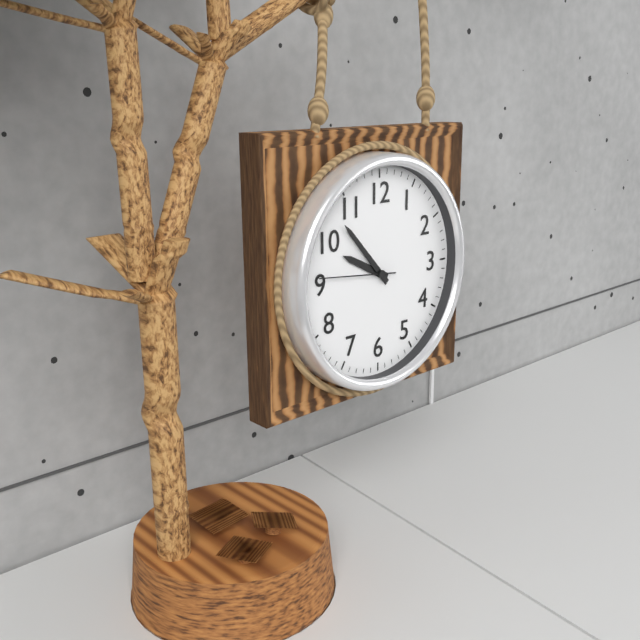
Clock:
9:53:46
